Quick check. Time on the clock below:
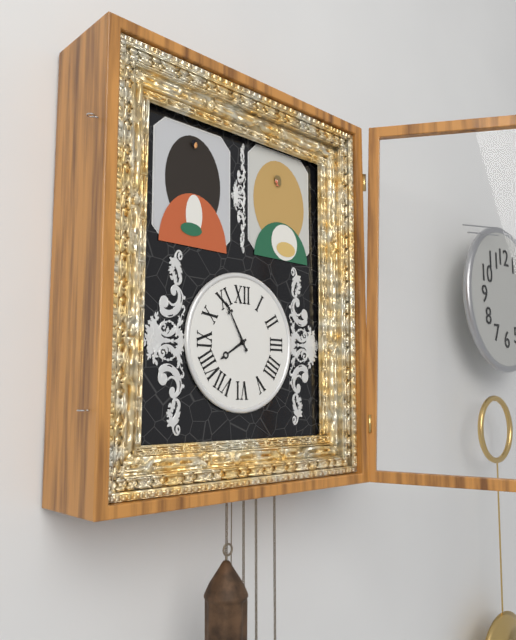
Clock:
7:55
